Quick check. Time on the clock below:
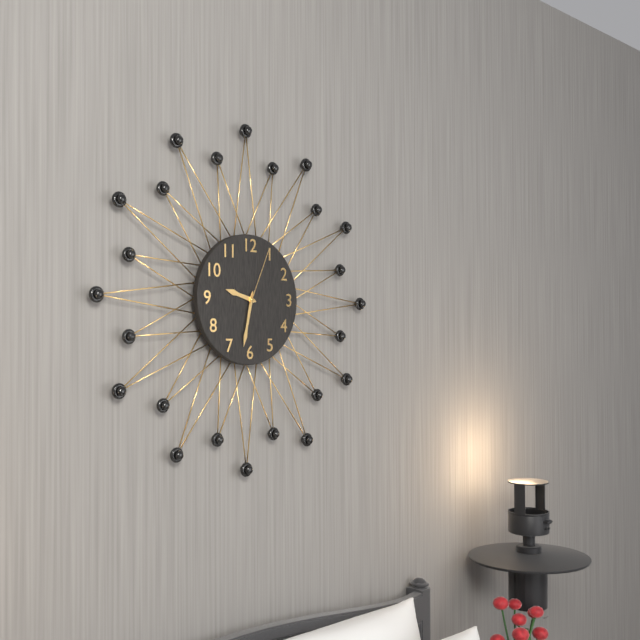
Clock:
9:32:04
